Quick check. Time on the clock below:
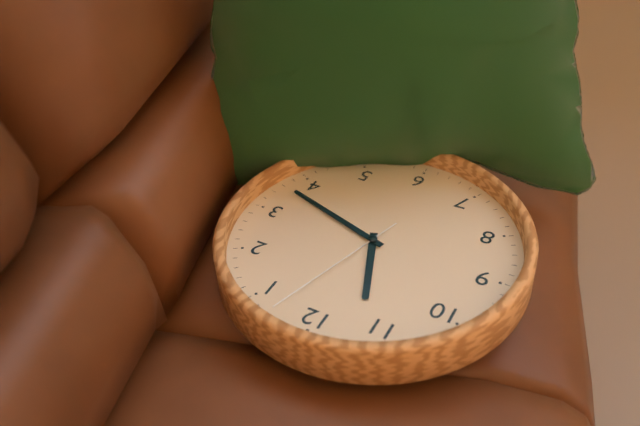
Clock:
11:18:03
